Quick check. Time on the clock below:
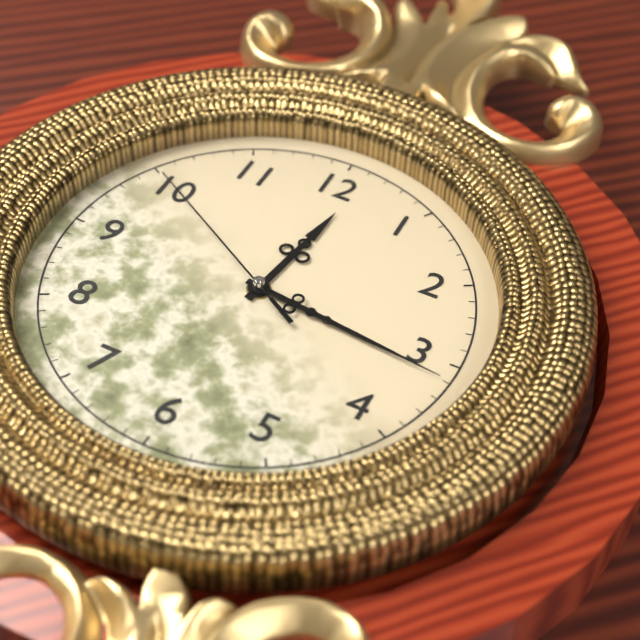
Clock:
12:16:50
